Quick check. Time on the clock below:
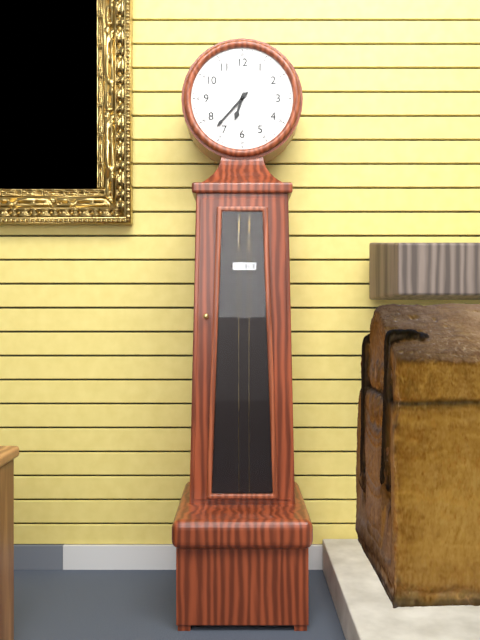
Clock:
6:37
